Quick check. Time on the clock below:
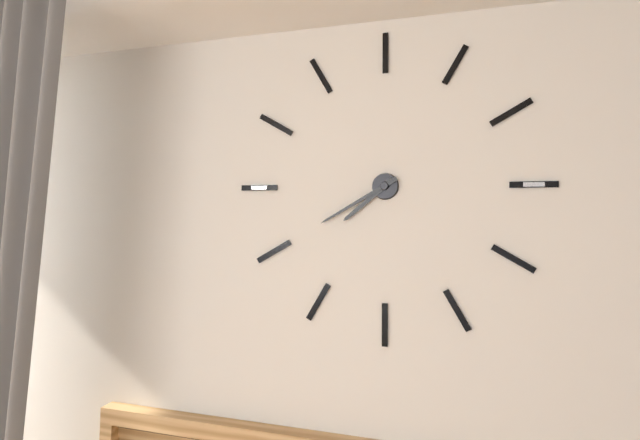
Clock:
7:40
